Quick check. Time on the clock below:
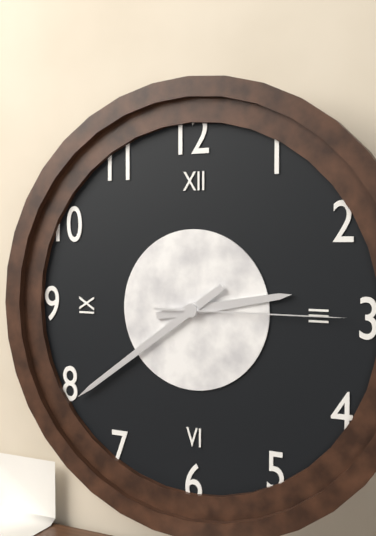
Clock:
2:39:15
